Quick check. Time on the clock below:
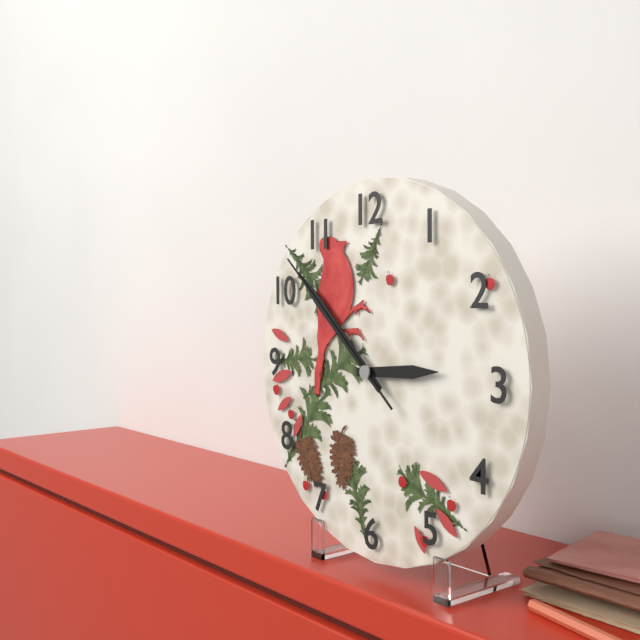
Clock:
2:52:52
